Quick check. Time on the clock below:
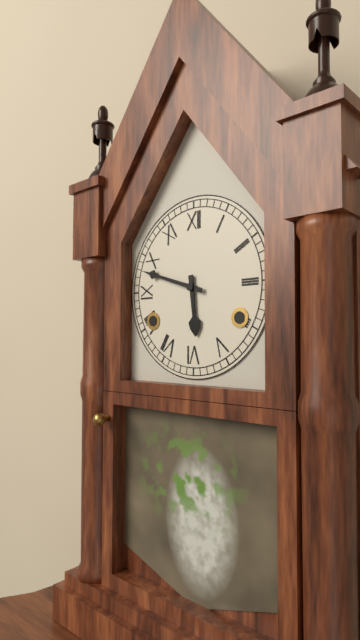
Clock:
5:48
